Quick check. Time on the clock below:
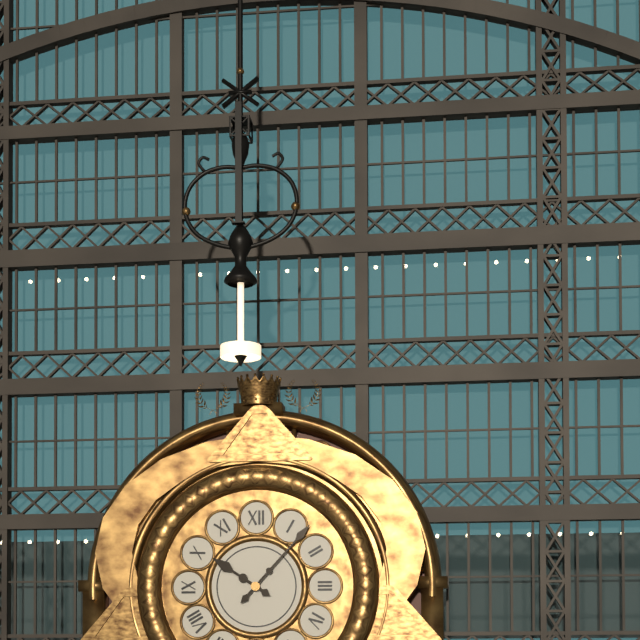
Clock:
10:07
